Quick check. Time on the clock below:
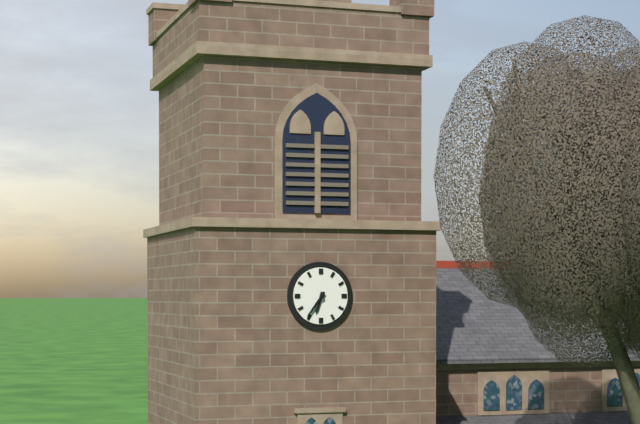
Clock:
6:36
